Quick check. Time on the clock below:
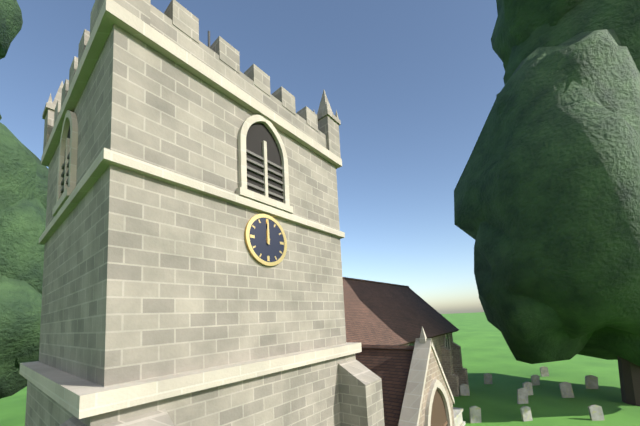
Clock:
12:00
